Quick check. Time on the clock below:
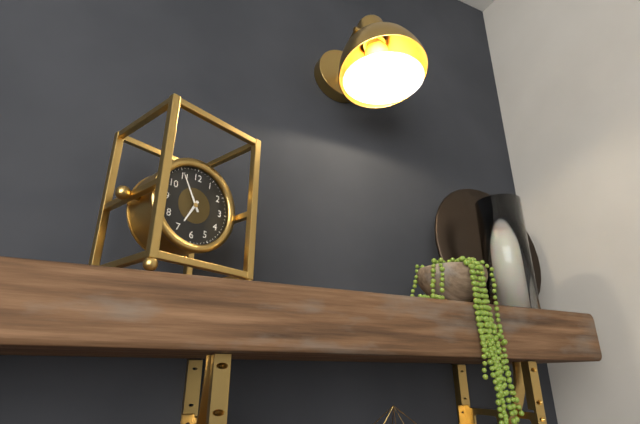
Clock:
6:55
